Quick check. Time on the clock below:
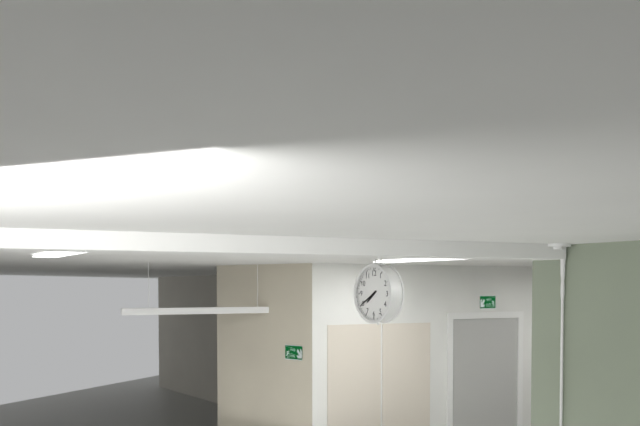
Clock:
7:40
